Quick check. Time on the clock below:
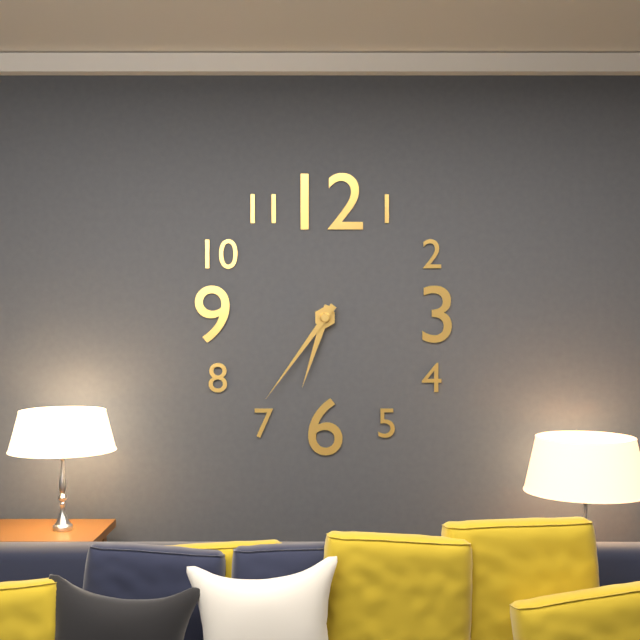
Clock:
6:36
